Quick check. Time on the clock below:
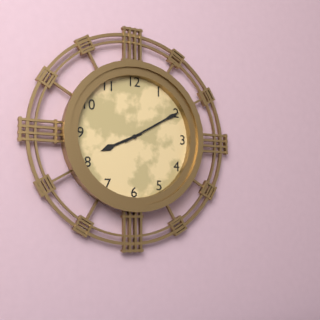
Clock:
8:10
